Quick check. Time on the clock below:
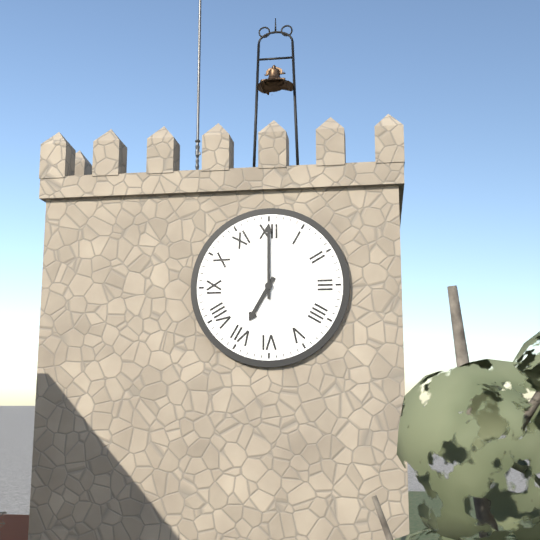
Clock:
7:00
